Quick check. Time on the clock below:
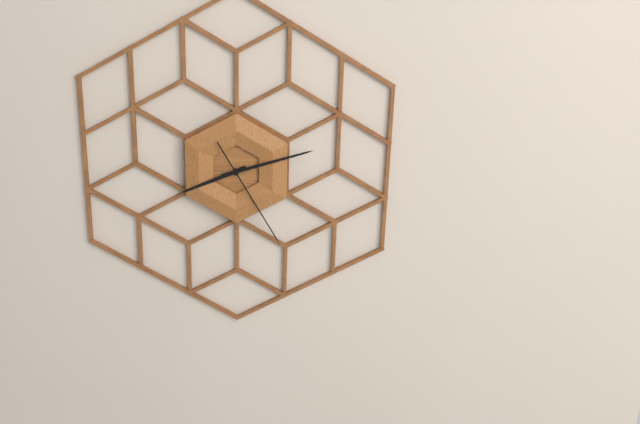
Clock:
8:12:25
